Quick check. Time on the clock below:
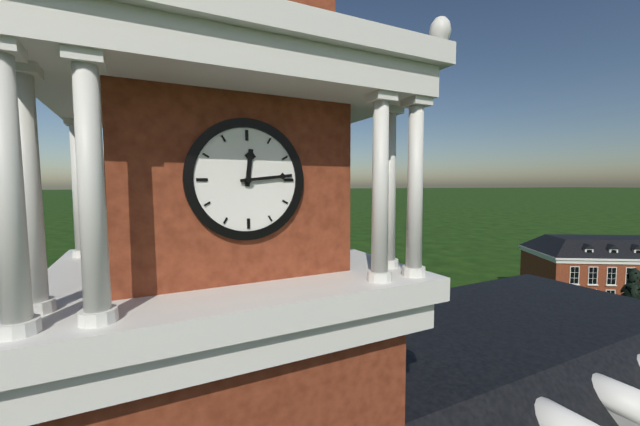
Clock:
12:14
